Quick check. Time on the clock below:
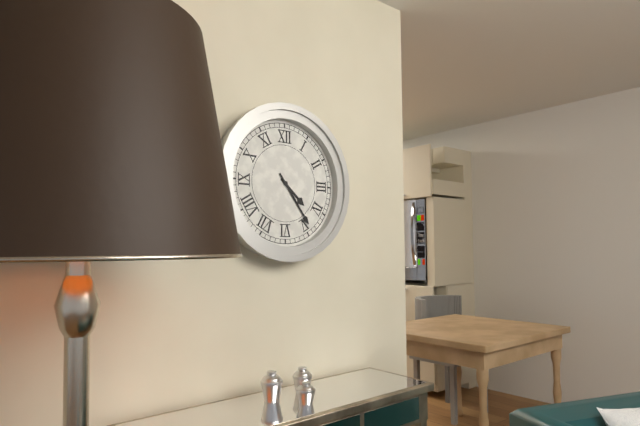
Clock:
4:24
